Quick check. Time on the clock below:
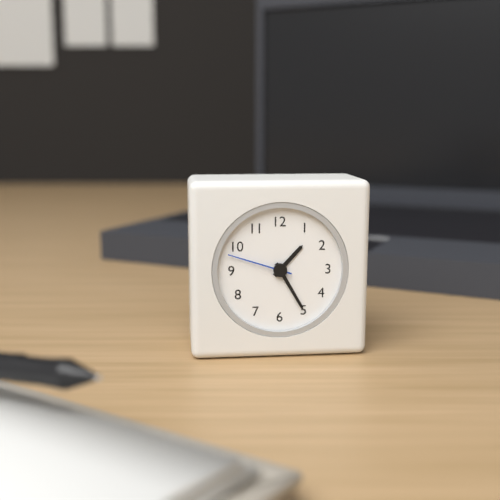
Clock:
1:25:48
